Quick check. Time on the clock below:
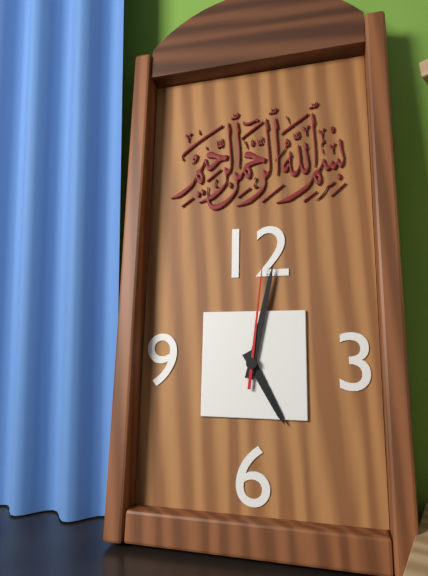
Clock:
5:02:01
